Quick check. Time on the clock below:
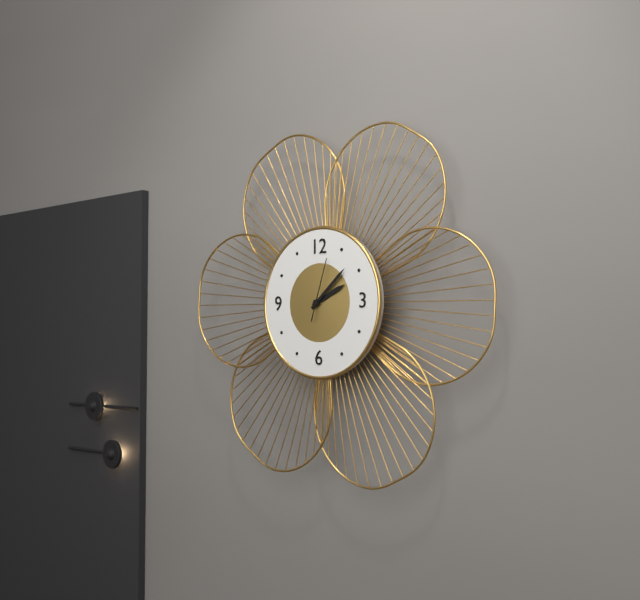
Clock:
2:08:03
